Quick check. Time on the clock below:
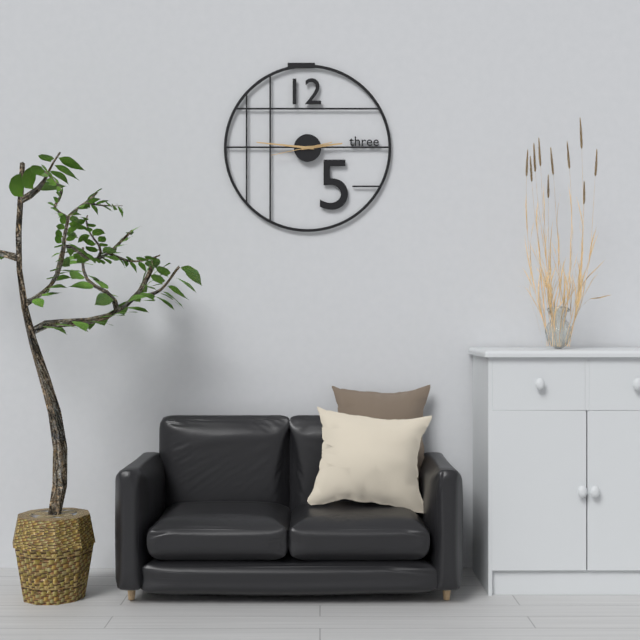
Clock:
2:46
